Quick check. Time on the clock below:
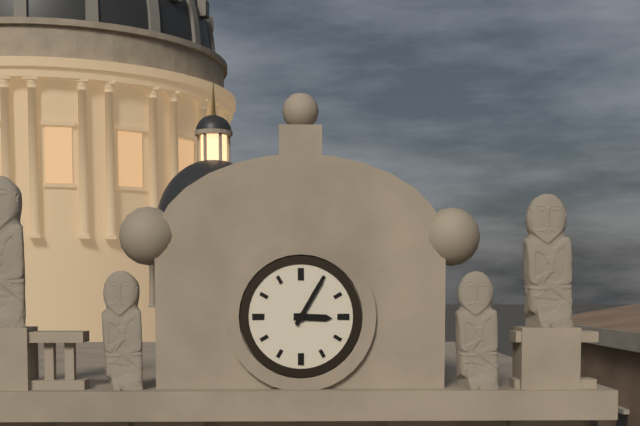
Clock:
3:05
